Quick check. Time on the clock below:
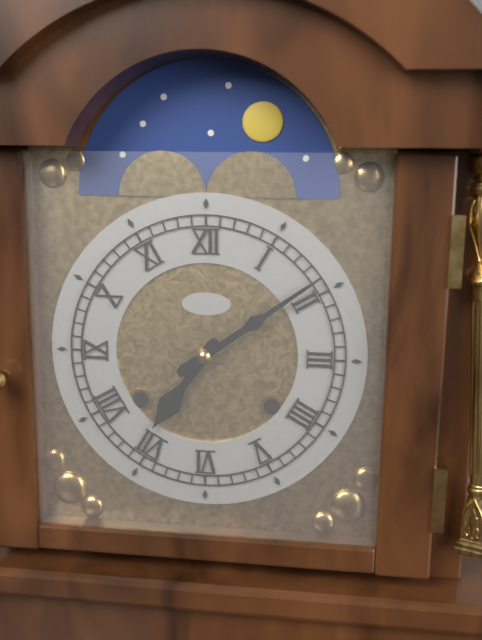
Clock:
7:09
